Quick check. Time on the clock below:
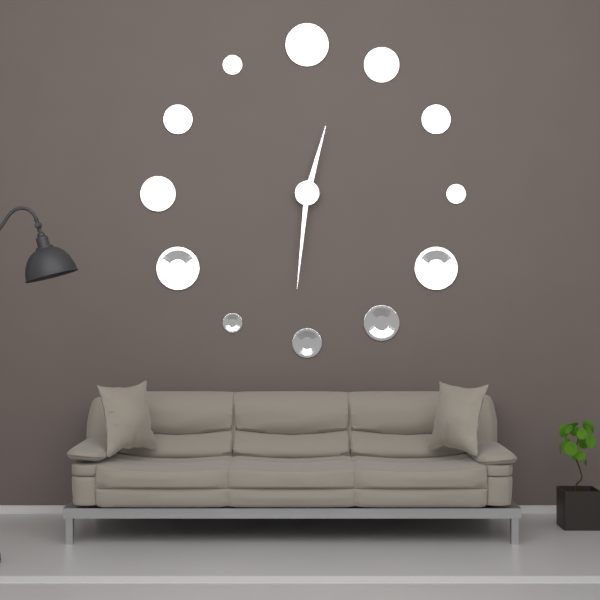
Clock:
12:31
